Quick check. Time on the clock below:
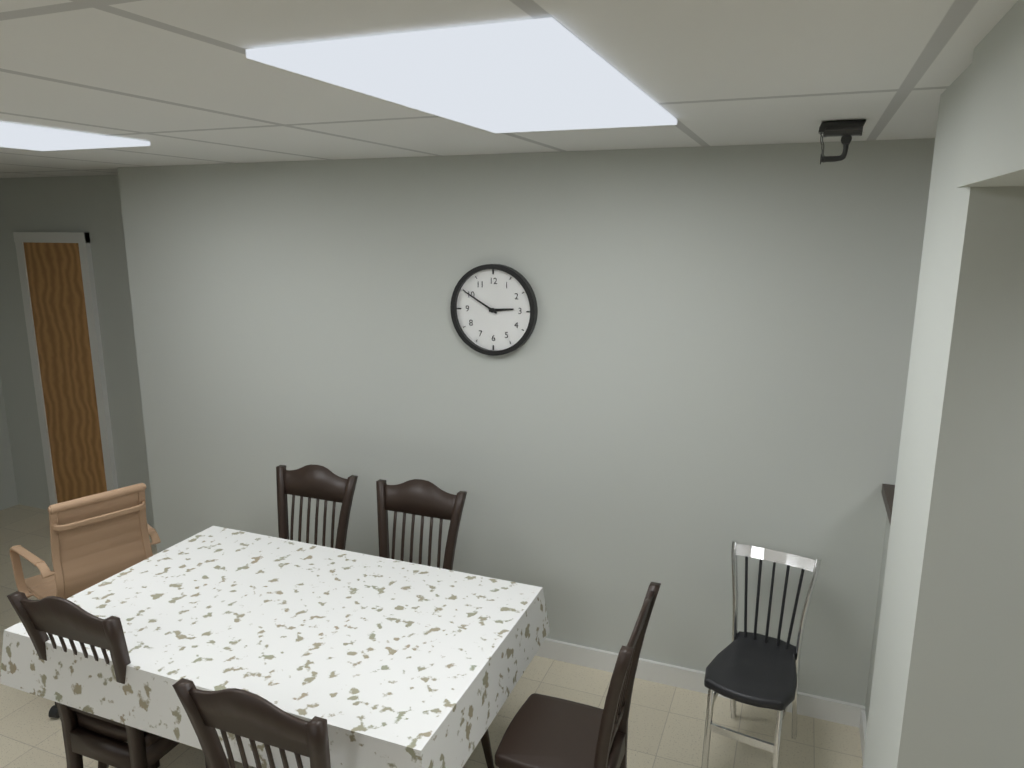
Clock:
2:50
